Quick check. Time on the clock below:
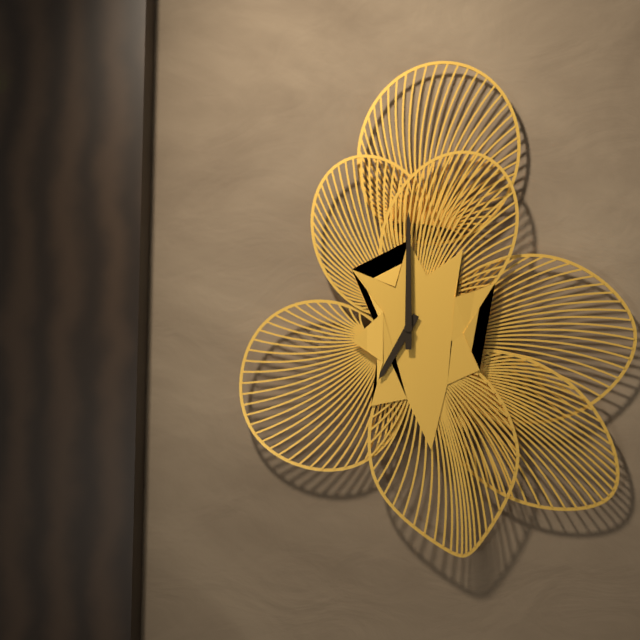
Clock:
7:00
